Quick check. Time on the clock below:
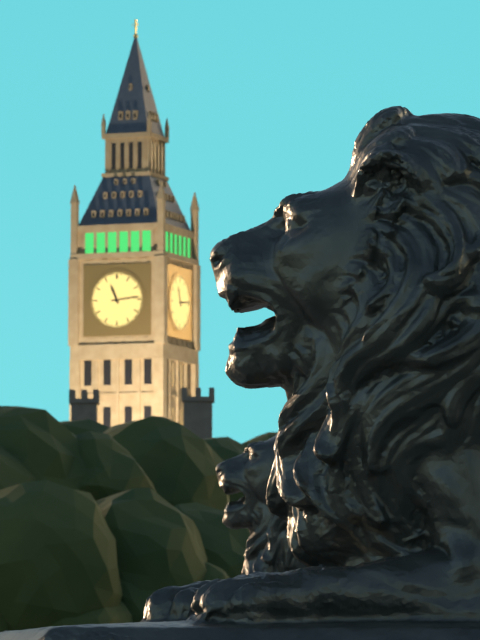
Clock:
11:14
